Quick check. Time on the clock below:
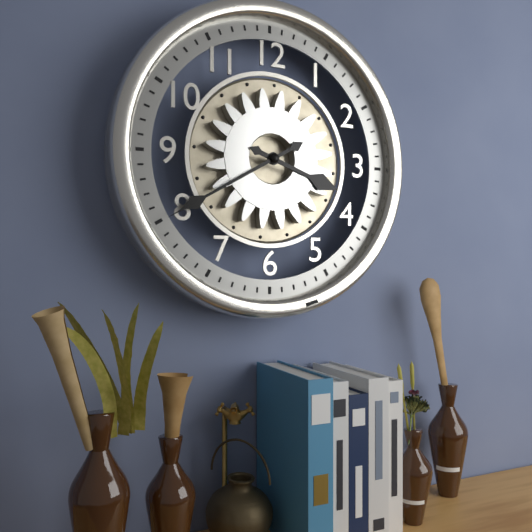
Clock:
3:40
